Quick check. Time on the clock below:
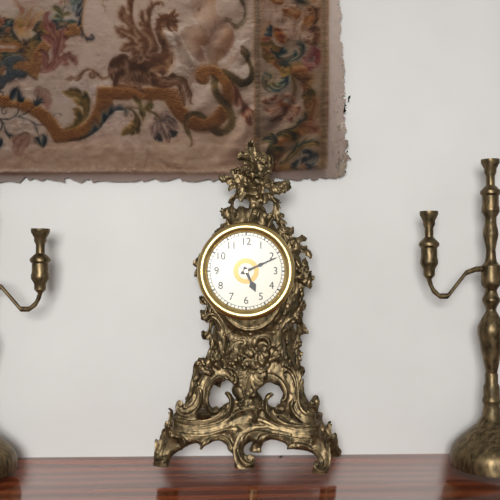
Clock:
5:11
